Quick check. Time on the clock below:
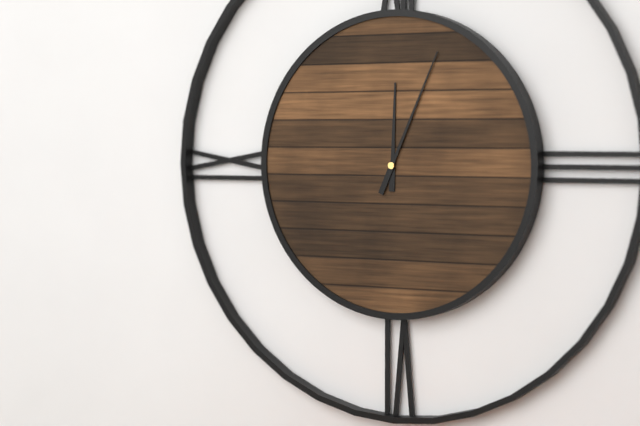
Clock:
12:04
